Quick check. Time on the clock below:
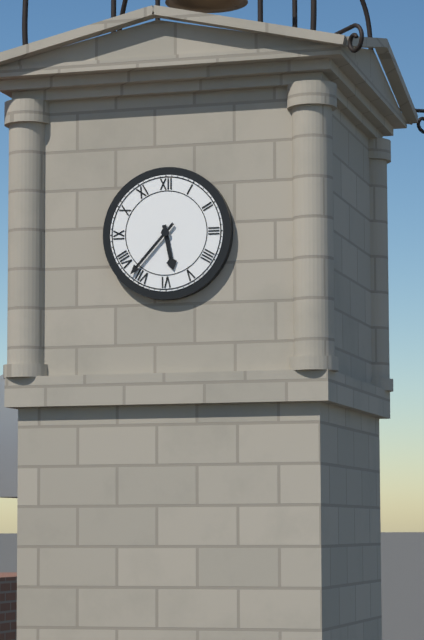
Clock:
5:37
